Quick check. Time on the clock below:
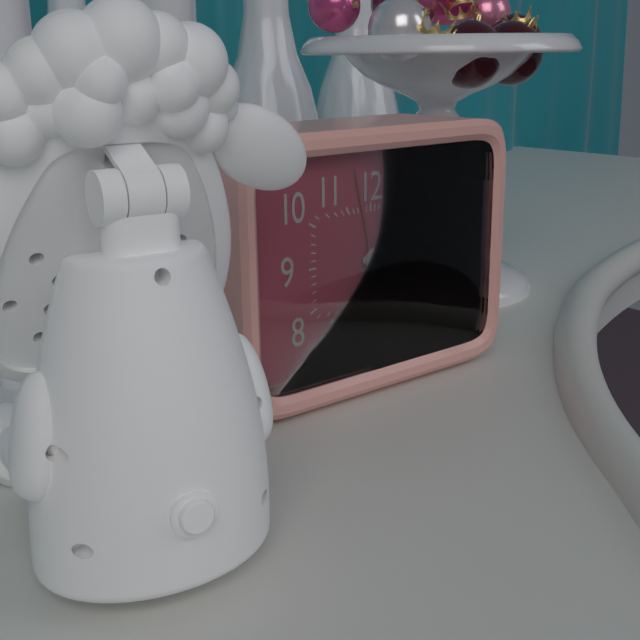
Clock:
3:15
